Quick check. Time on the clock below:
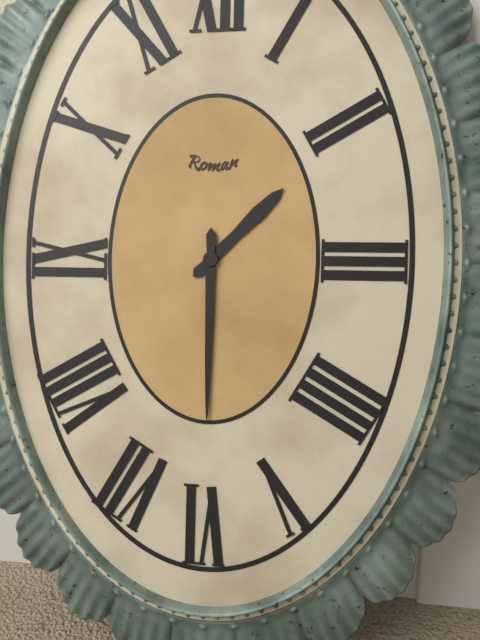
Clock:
1:30
